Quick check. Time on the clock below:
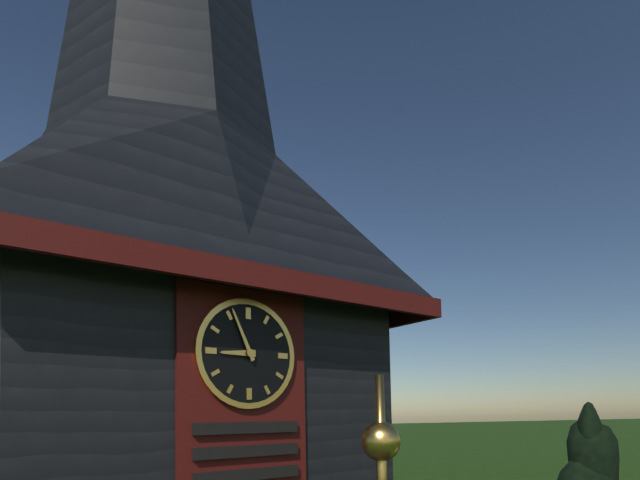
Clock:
8:56
